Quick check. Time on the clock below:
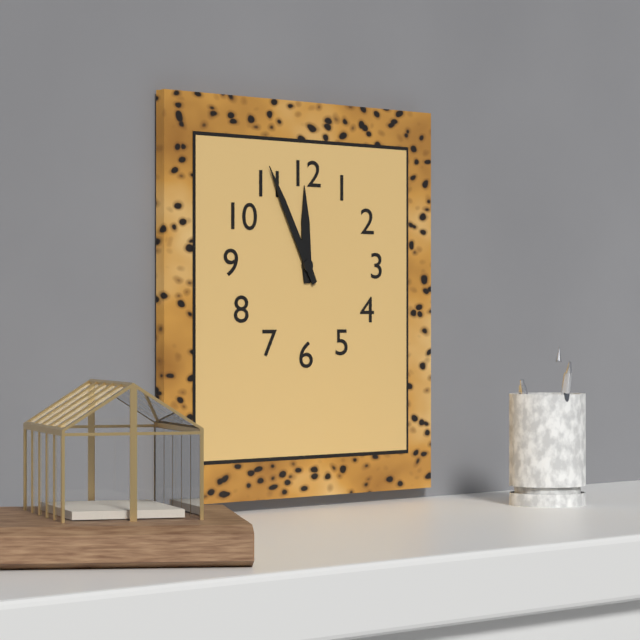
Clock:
11:55
